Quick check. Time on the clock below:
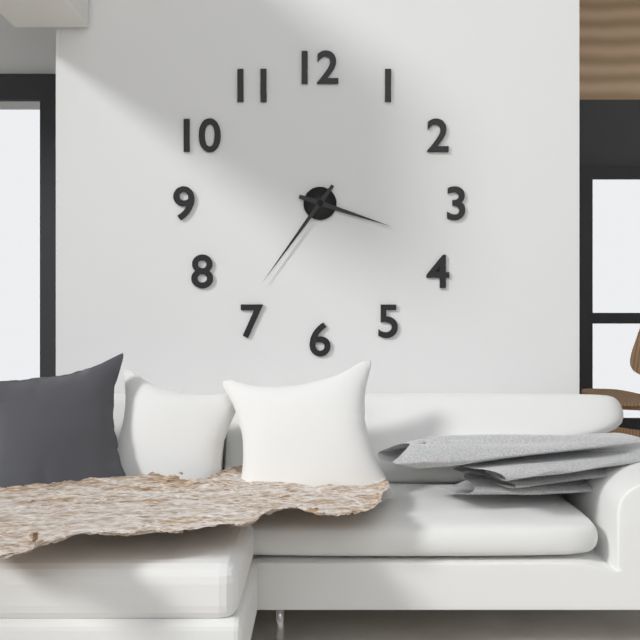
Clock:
3:36
